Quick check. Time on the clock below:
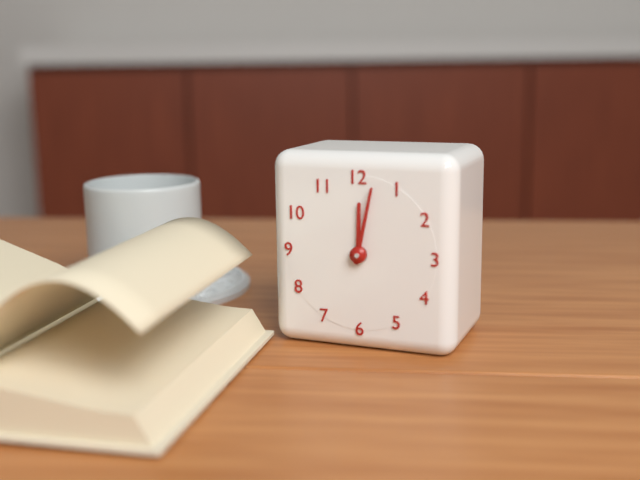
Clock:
12:02
